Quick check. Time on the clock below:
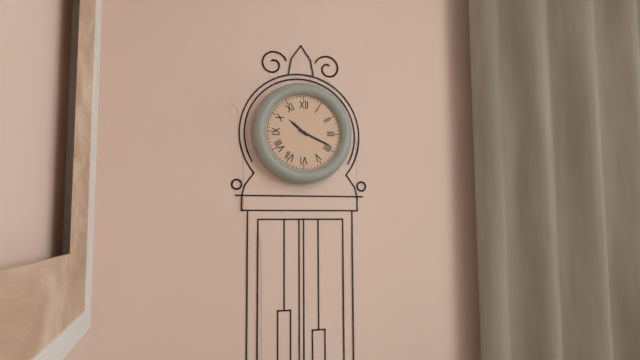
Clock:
10:19
